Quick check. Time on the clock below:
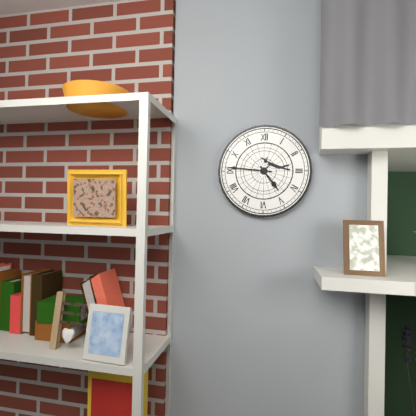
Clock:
4:46
